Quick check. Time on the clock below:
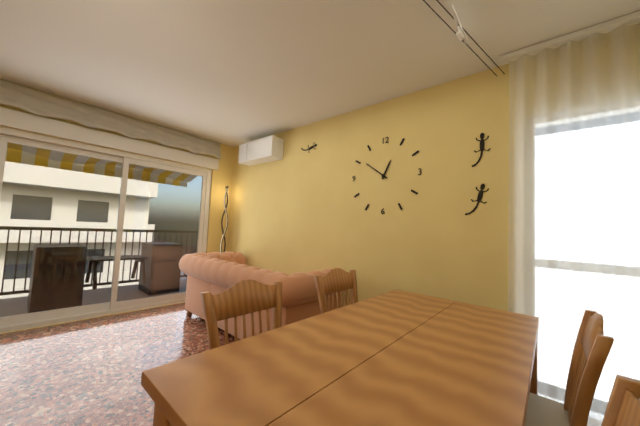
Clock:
12:51
